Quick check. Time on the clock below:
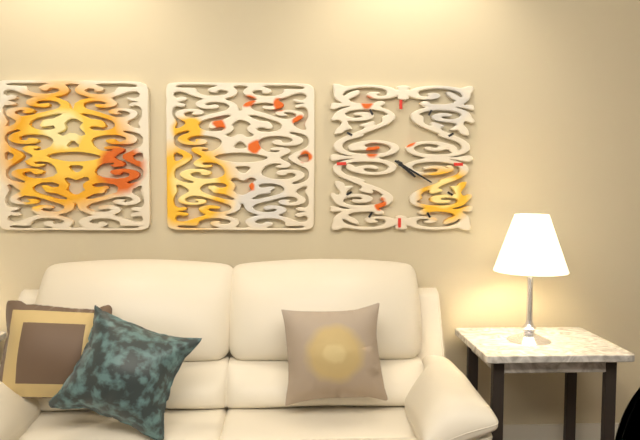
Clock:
4:20
